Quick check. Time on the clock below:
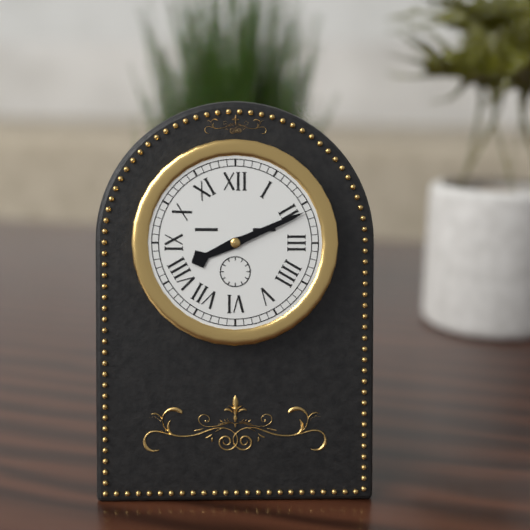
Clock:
8:11
